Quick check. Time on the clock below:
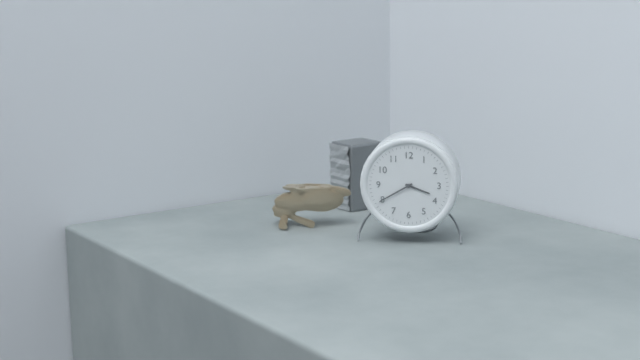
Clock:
3:40
